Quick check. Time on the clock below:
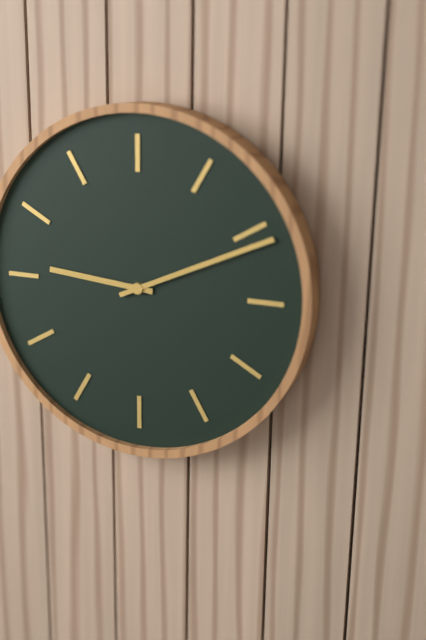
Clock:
9:11
